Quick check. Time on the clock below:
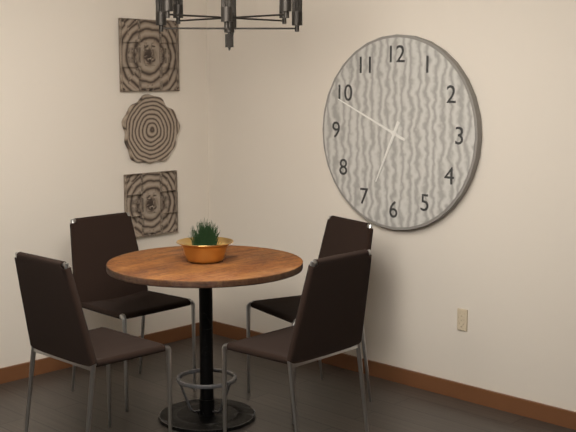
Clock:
6:49
